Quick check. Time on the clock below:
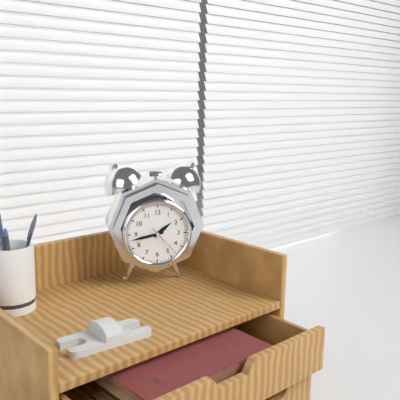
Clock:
1:43
